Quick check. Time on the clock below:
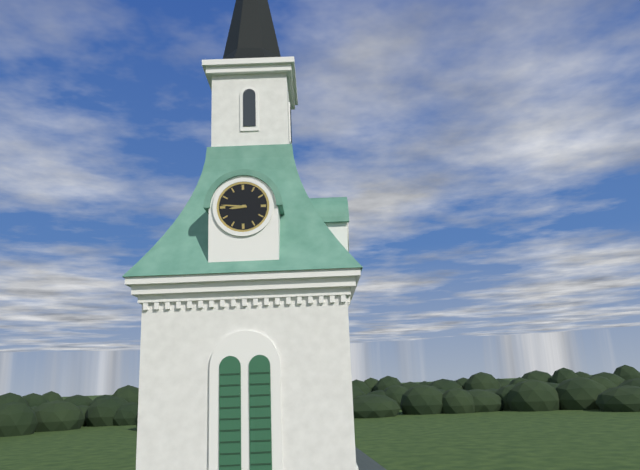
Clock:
8:46
